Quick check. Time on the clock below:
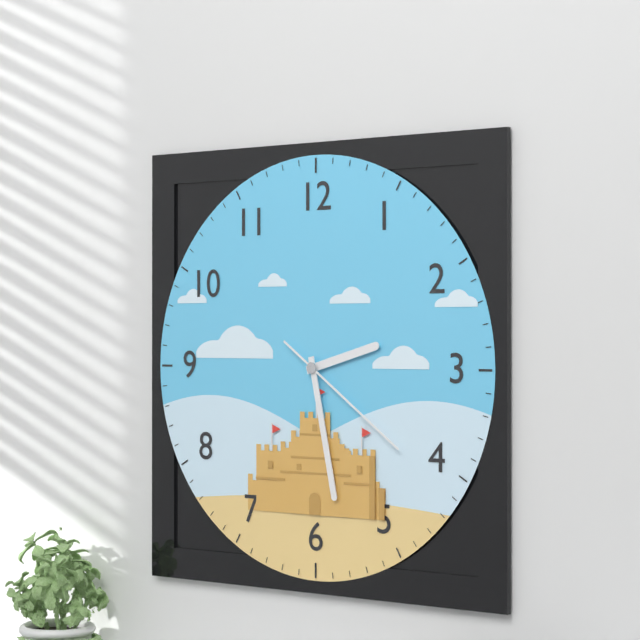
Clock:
2:28:21
